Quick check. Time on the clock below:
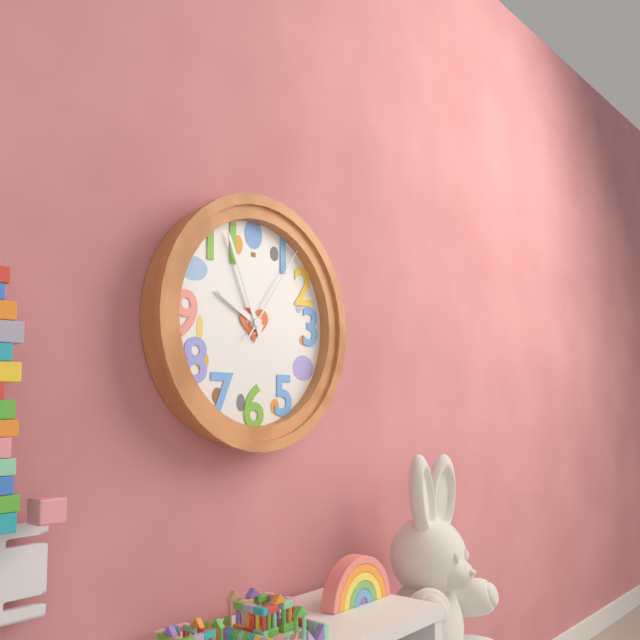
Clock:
9:56:06
